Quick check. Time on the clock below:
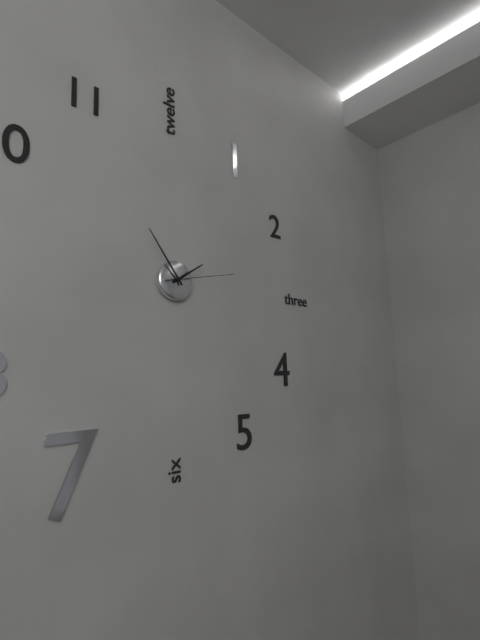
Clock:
1:54:13
